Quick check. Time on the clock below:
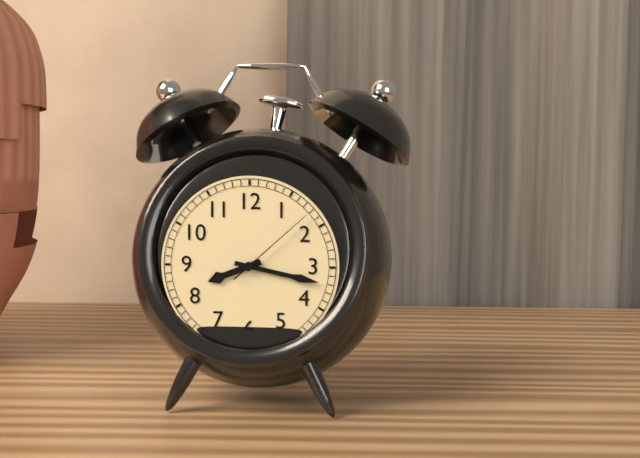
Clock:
8:17:08
